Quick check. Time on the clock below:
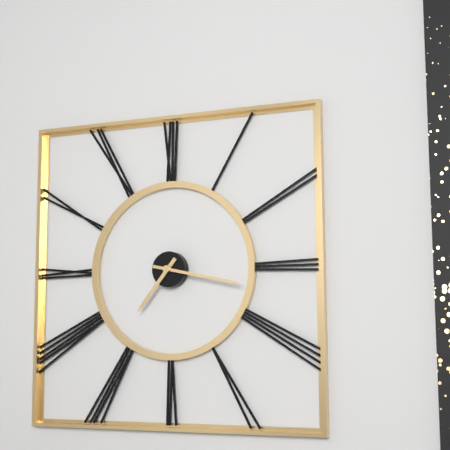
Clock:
7:17
